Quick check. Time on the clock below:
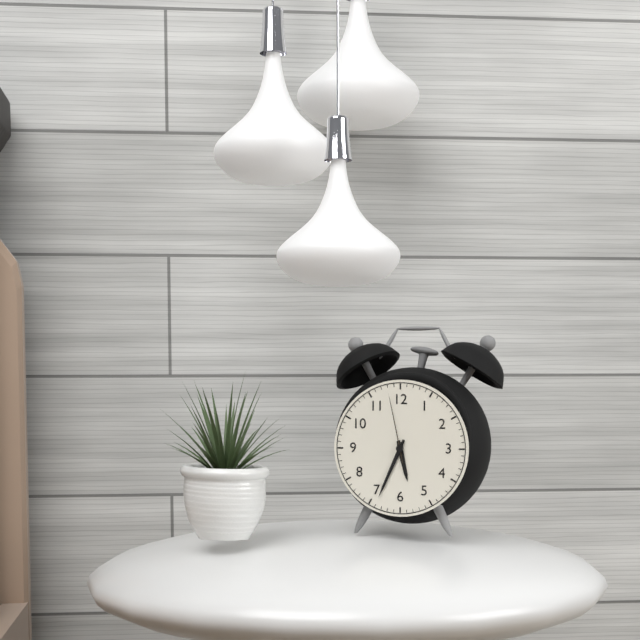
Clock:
5:34:58
